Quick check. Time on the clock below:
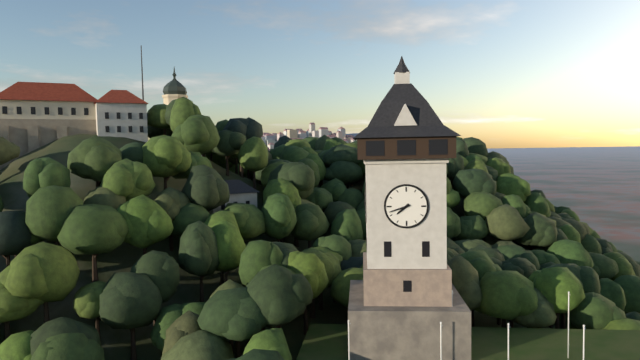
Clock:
7:42
